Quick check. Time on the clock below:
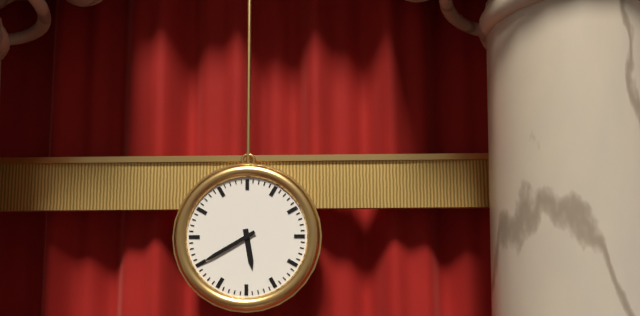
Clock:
5:40
